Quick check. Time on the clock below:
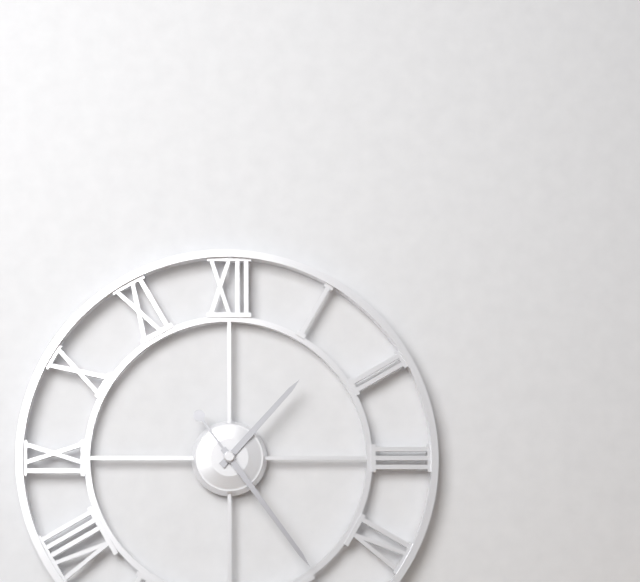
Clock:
1:24
